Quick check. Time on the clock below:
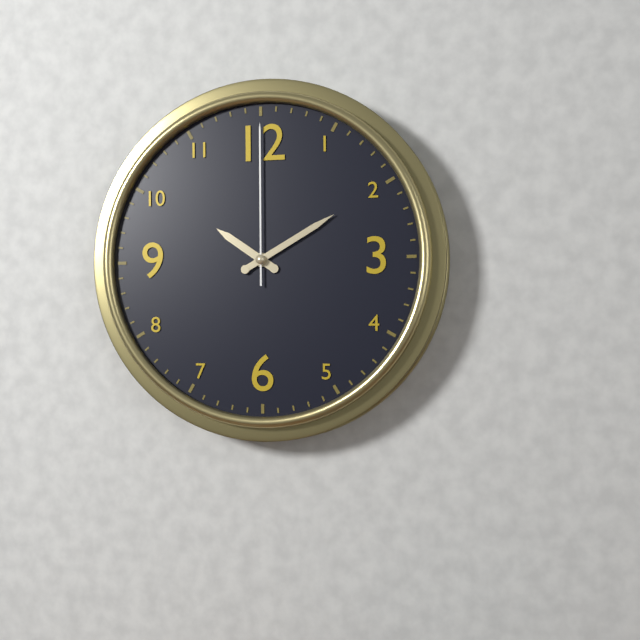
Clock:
10:10:00
